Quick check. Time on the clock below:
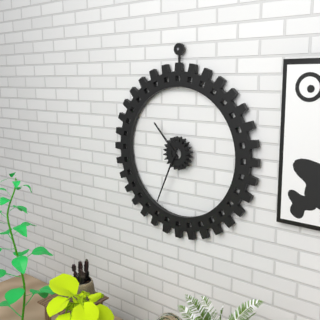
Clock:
10:34
